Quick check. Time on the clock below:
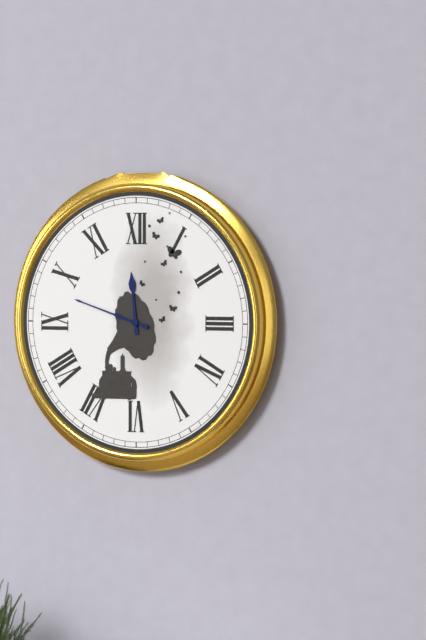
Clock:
11:48
